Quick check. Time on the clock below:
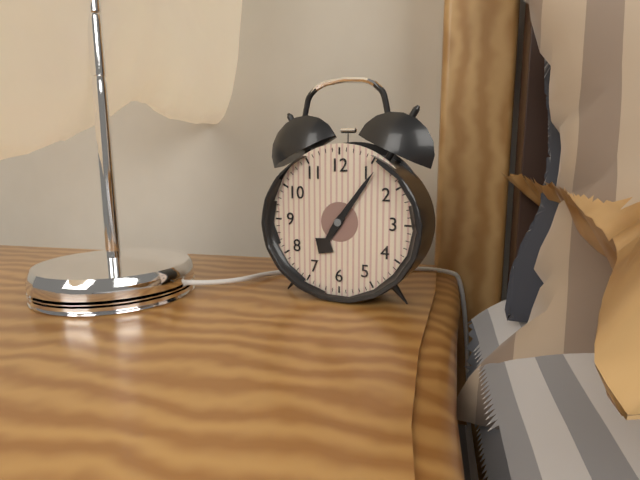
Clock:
7:06
